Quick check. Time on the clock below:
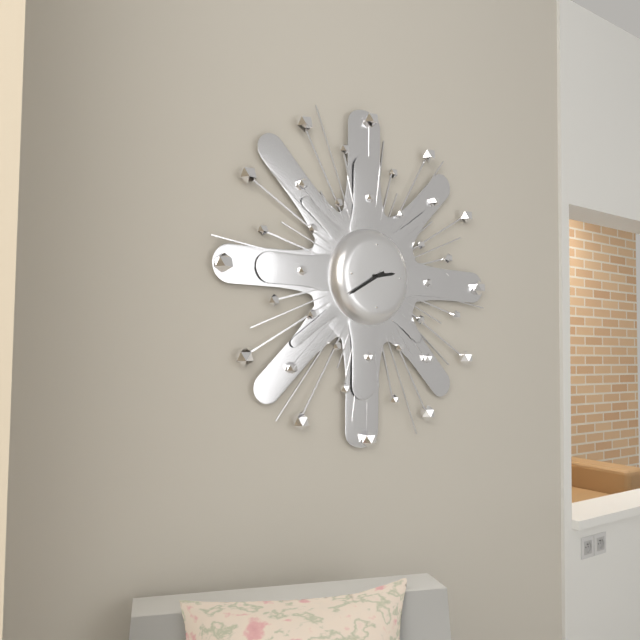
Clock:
2:40
